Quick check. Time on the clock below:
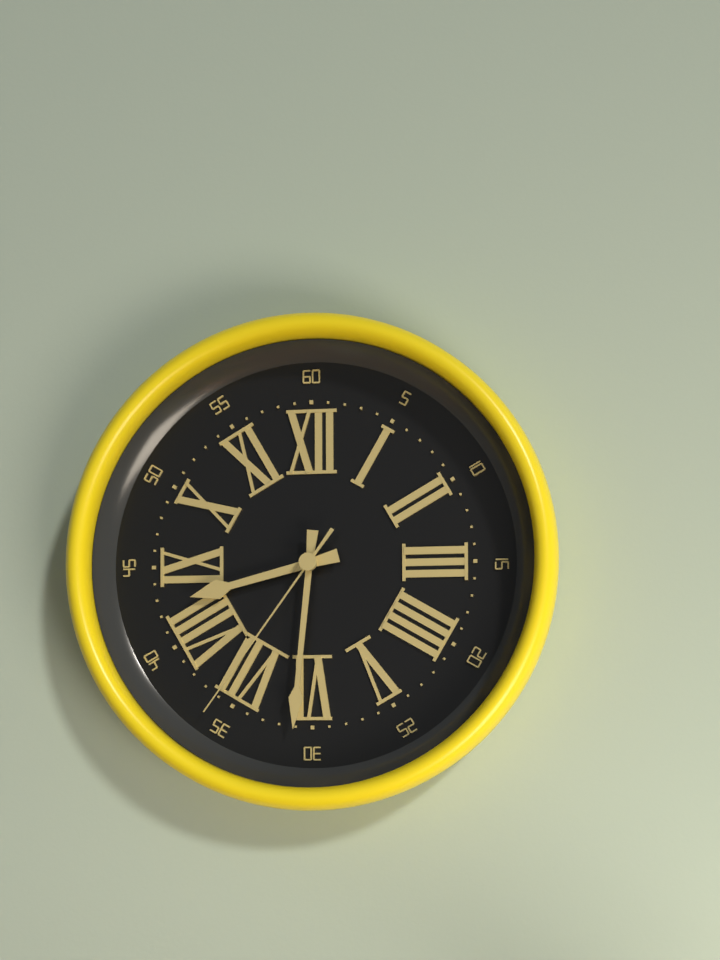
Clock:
8:31:36
